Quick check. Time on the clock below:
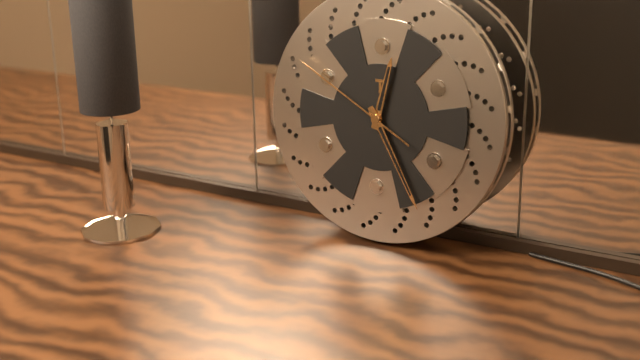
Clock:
12:25:50
